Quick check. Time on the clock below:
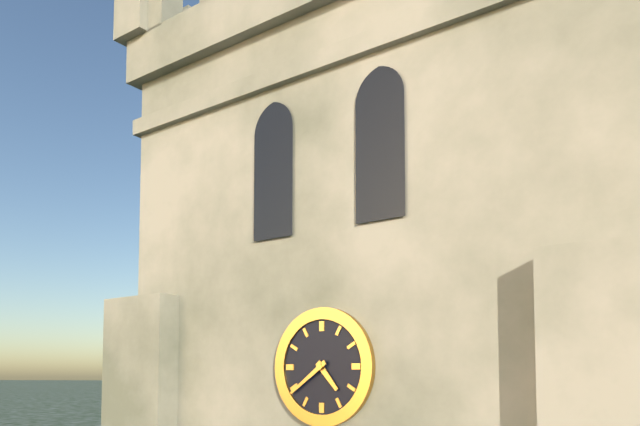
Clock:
4:39
